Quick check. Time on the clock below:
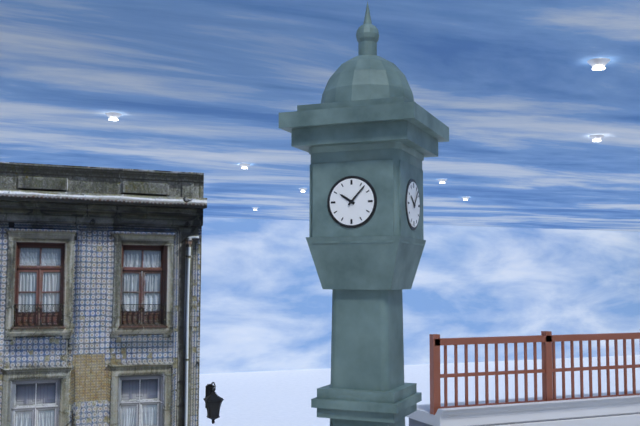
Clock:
10:07
